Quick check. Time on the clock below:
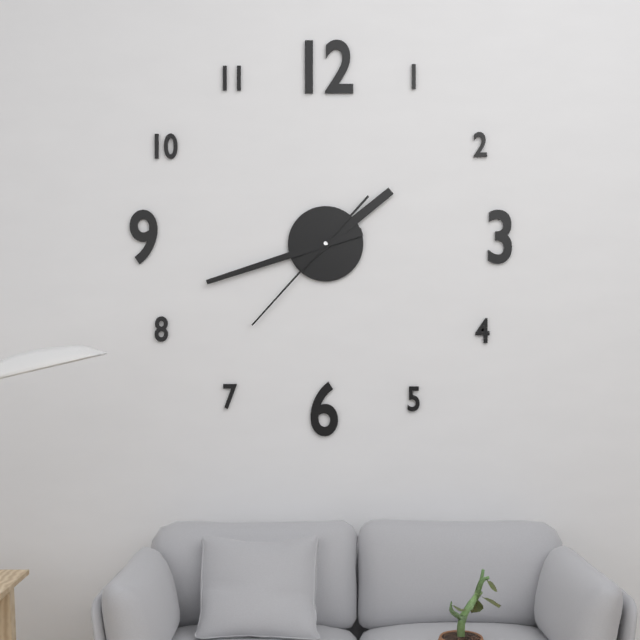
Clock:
1:42:37
